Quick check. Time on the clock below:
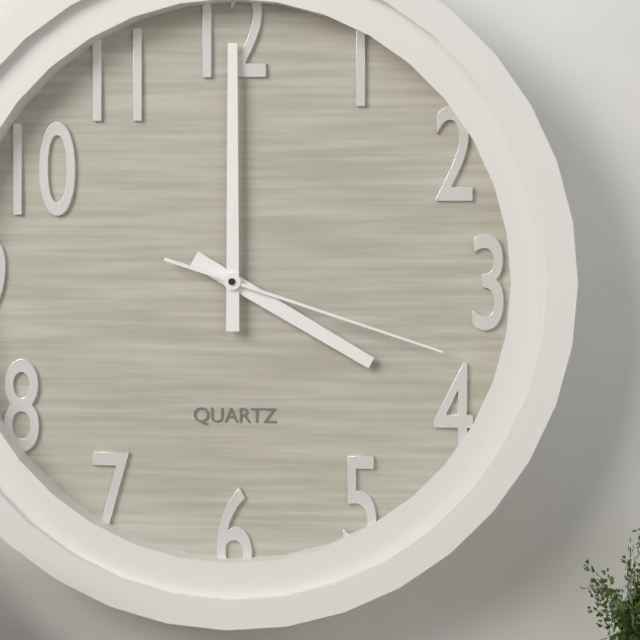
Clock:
4:00:18
